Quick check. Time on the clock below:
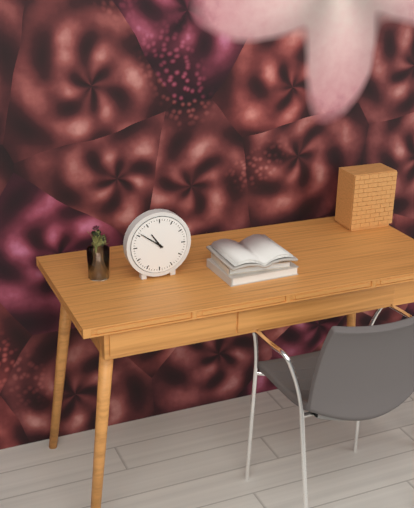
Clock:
10:51
